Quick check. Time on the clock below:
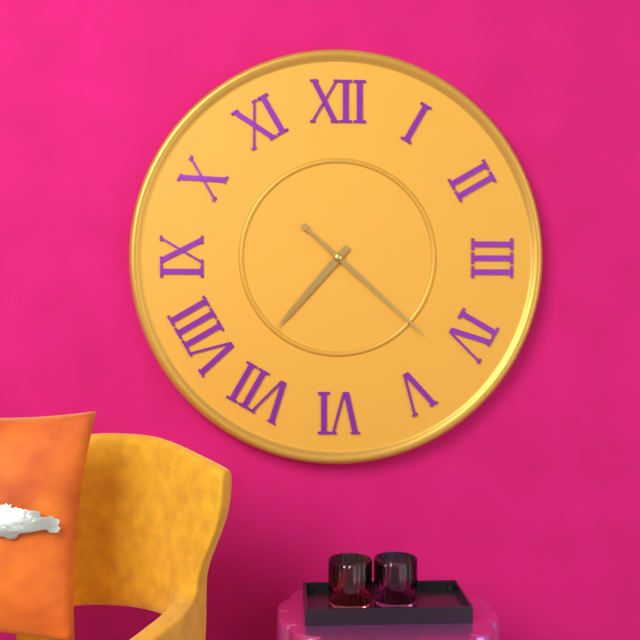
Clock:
7:22
